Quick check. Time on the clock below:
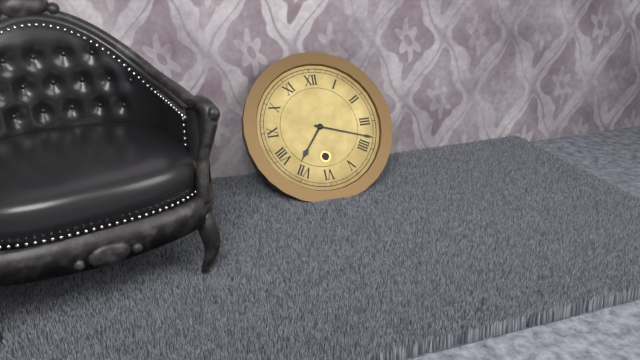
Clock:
7:18
